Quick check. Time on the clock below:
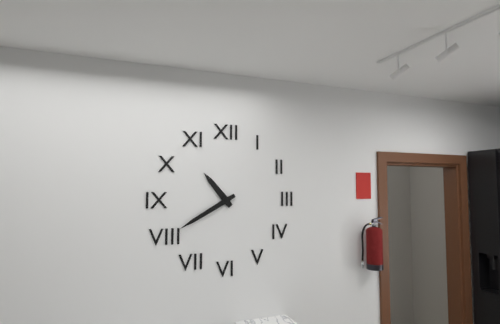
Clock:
10:40
